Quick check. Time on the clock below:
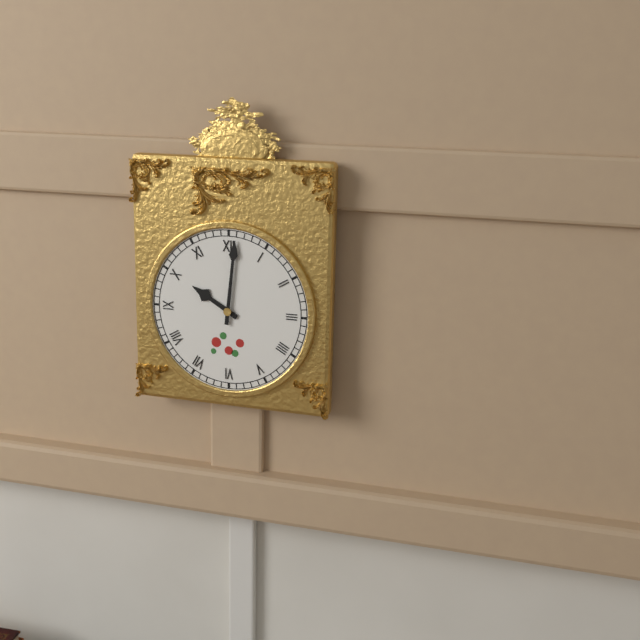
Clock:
10:01
